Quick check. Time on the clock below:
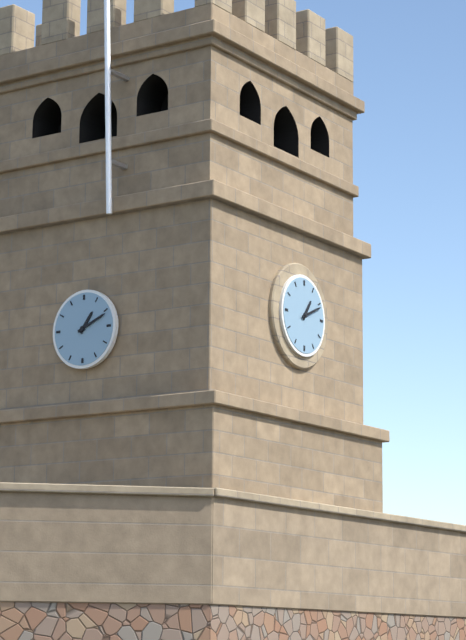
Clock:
1:11
